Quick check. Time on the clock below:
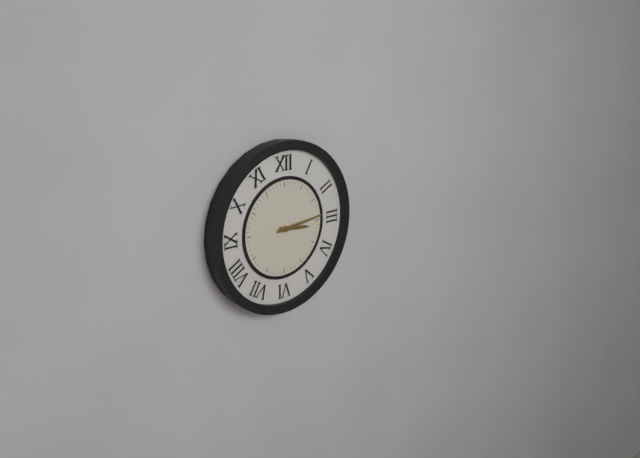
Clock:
3:14
